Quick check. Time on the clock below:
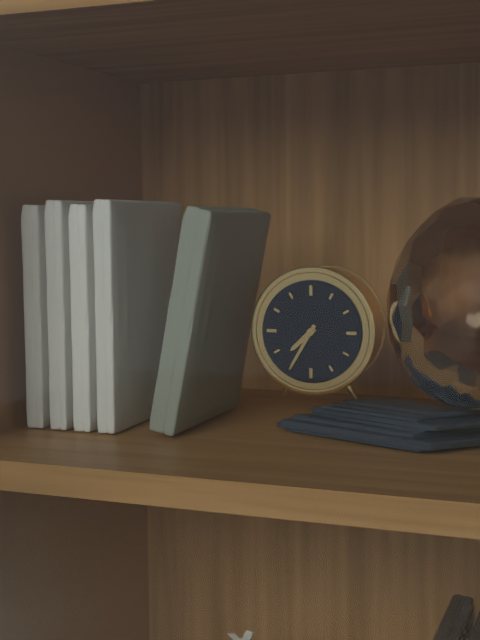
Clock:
7:35
